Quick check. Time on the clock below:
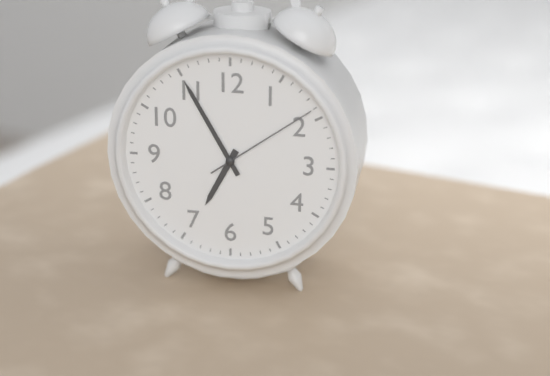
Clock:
6:55:09
